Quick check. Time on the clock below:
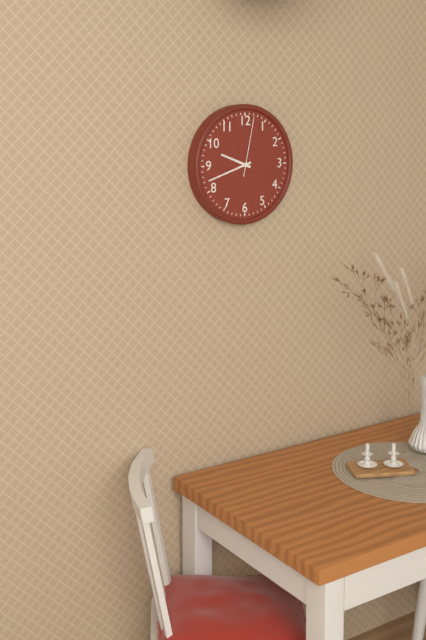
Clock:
9:42:02
